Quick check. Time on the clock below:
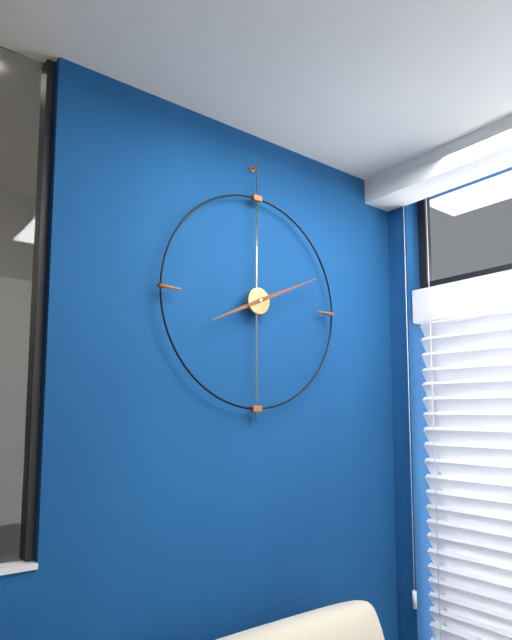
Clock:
8:11
